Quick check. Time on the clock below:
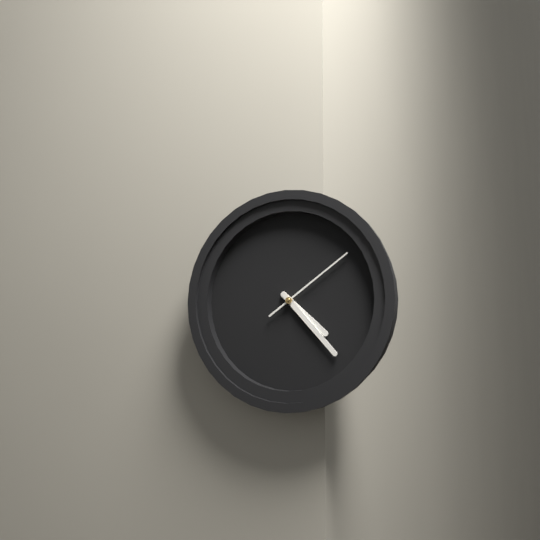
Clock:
4:23:09
